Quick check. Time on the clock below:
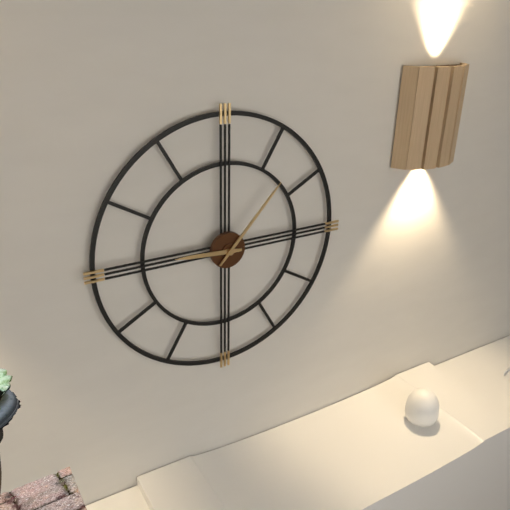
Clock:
9:07
